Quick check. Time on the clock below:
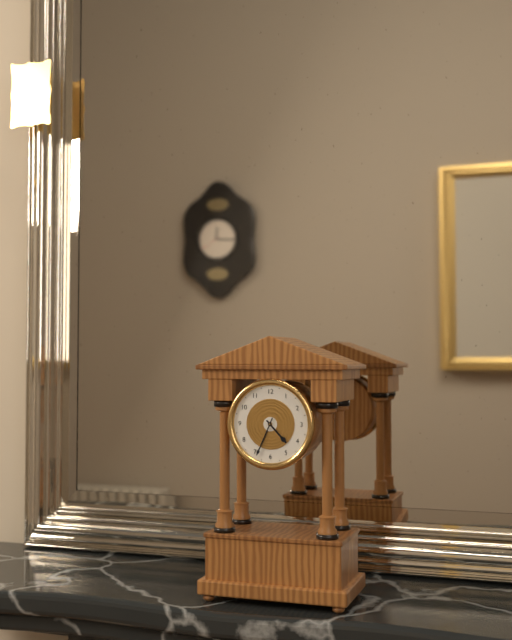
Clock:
4:34
